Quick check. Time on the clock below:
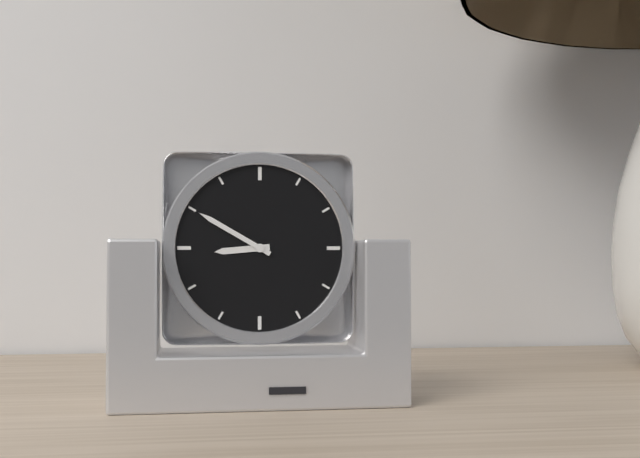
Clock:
8:50
